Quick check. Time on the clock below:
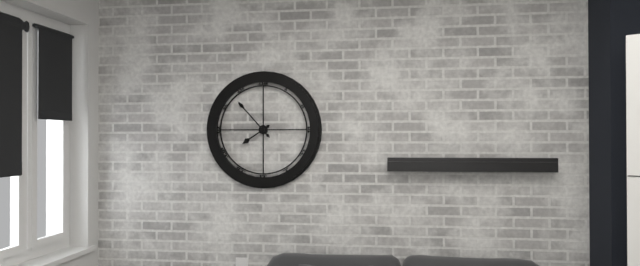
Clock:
7:53
